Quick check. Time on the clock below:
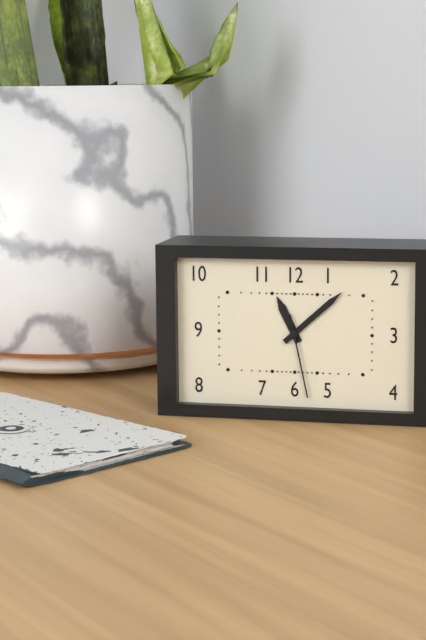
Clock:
11:08:28
